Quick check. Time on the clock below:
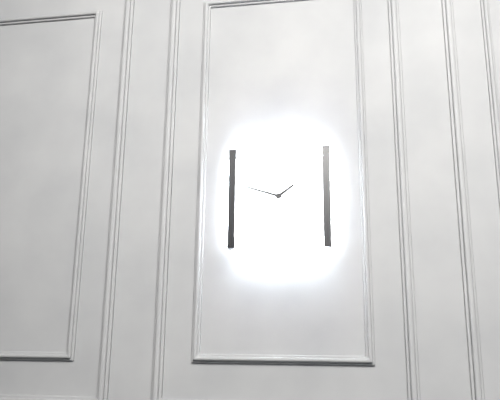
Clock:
1:48
